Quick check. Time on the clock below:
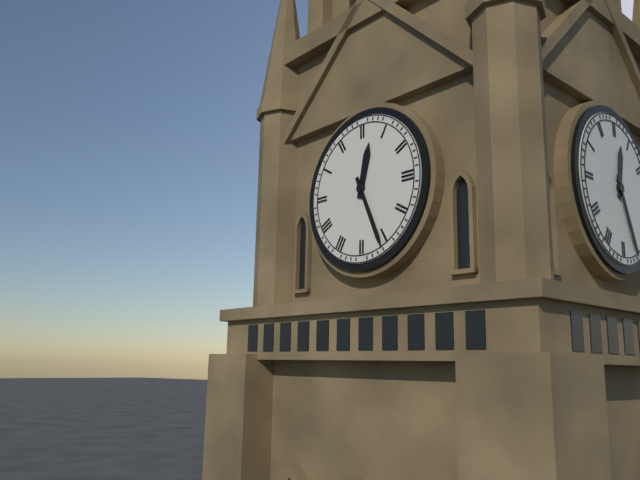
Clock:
12:26
